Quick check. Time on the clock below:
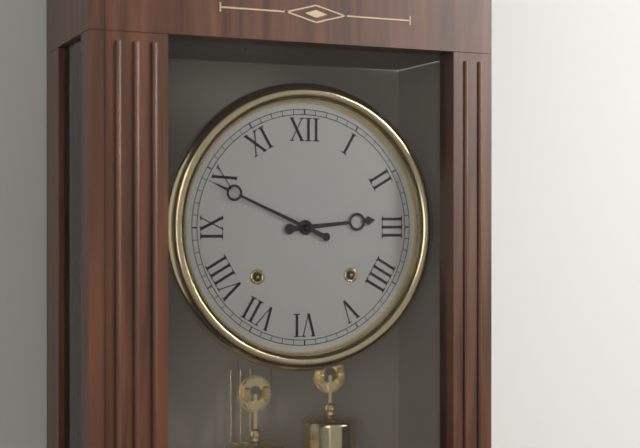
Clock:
2:49
